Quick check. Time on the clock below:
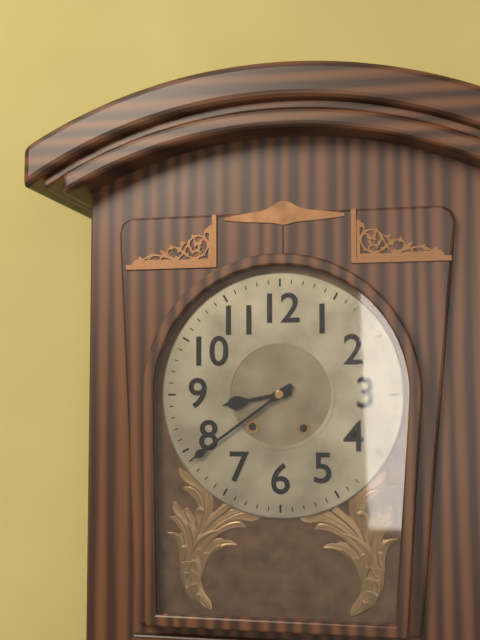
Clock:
8:39
